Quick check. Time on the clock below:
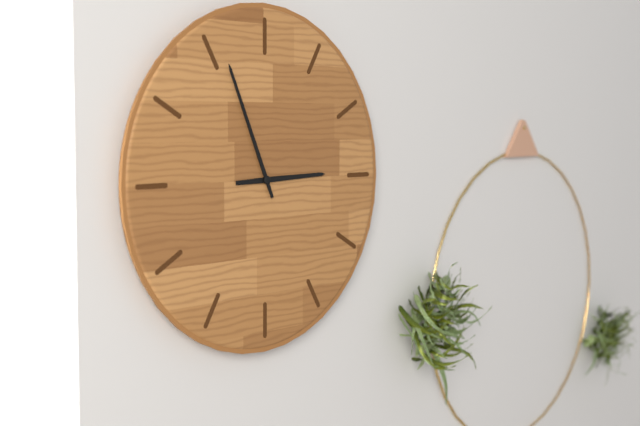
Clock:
2:56
